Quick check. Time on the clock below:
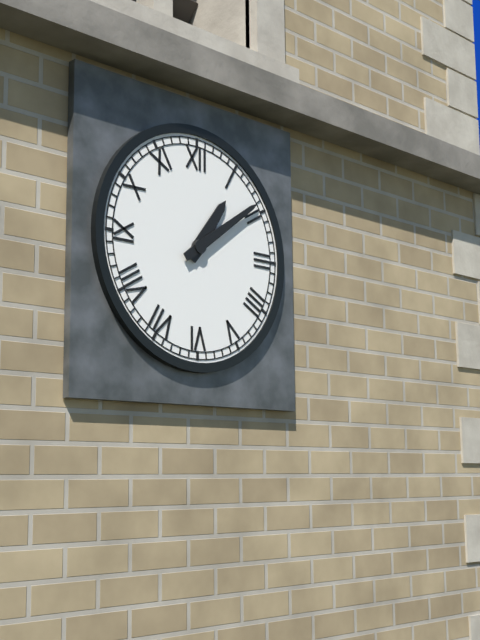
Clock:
1:09
